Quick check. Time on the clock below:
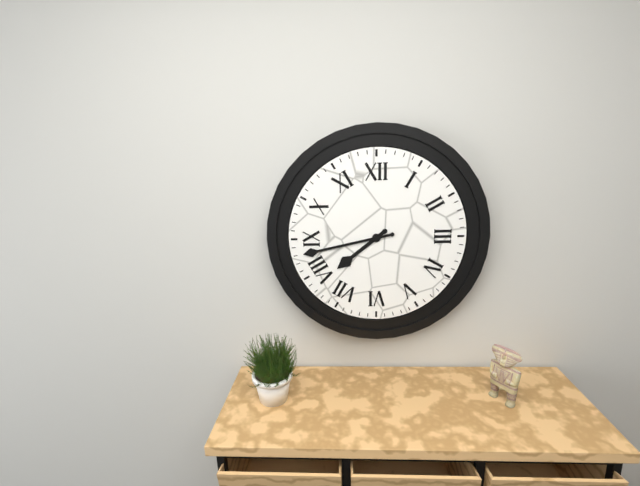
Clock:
7:43
